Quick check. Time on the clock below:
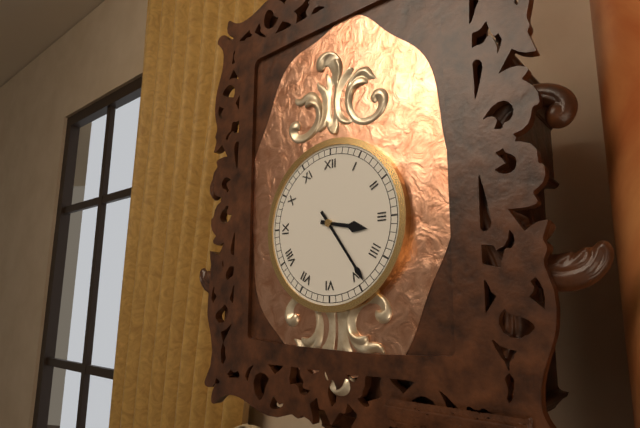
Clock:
3:24
